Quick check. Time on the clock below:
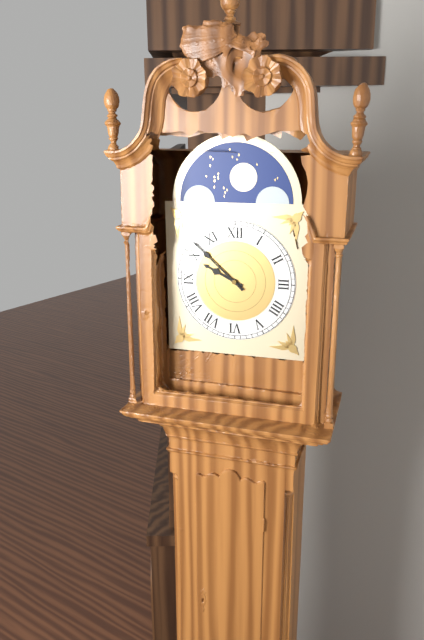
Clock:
9:52
